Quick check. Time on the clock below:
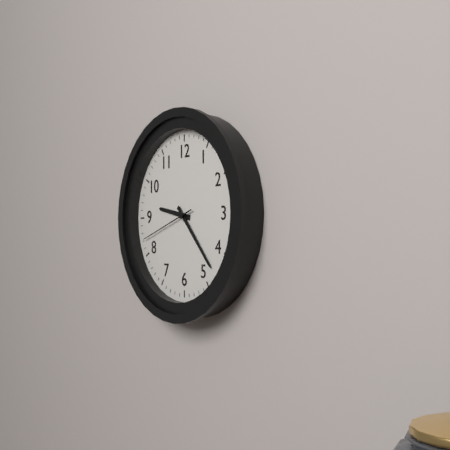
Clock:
9:23:42
